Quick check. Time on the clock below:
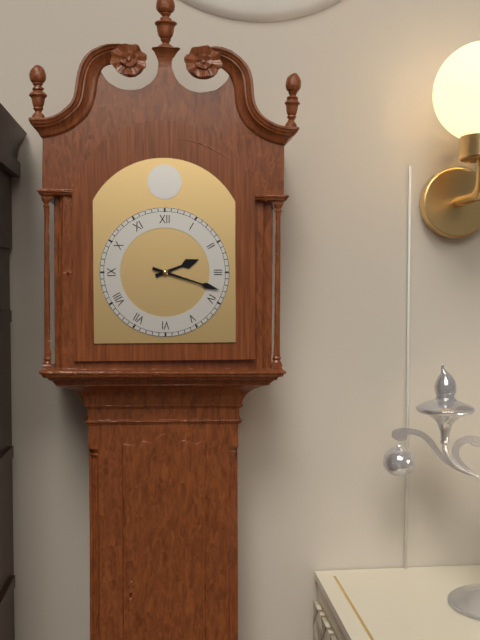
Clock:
2:18
